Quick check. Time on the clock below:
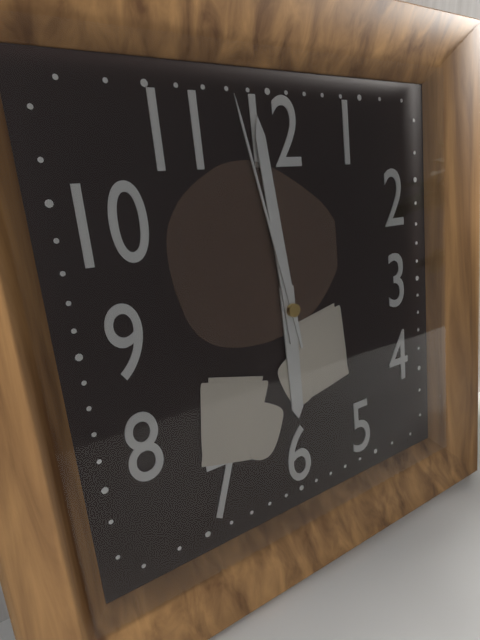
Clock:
5:59:58
